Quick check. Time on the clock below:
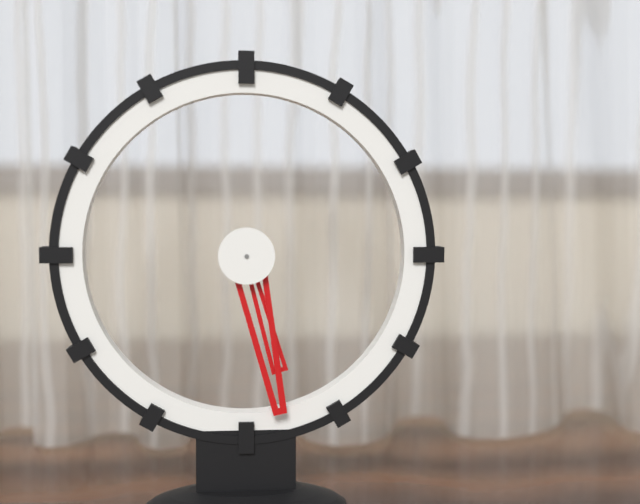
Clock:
5:28
